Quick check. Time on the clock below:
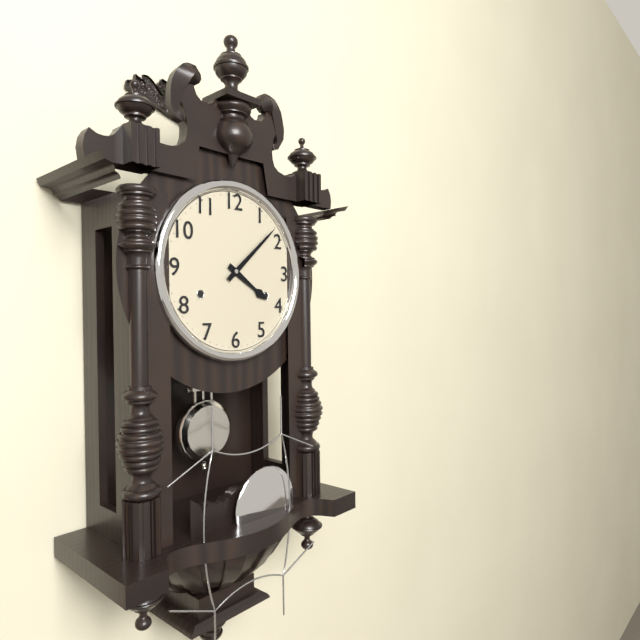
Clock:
4:08
